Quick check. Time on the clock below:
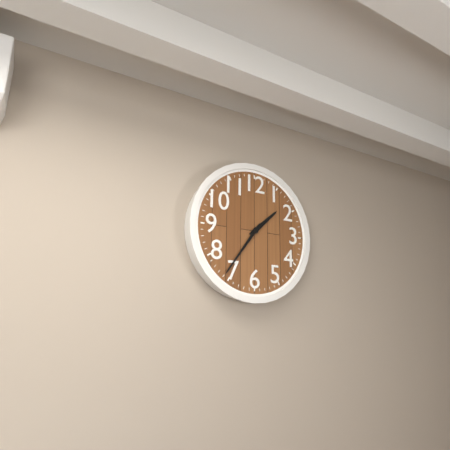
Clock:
1:36
